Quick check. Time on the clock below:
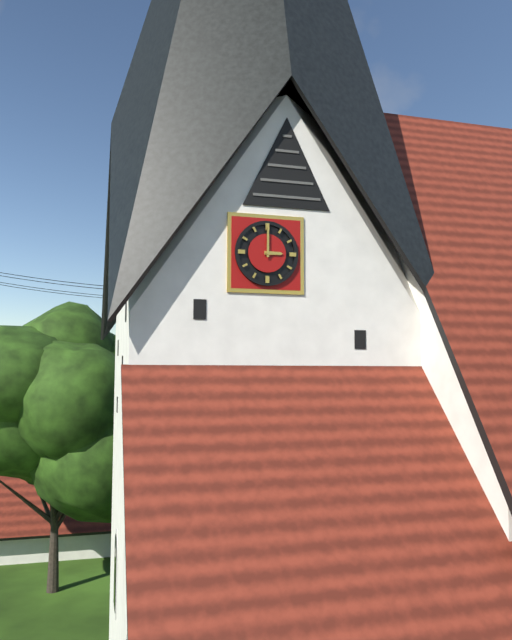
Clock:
3:00
